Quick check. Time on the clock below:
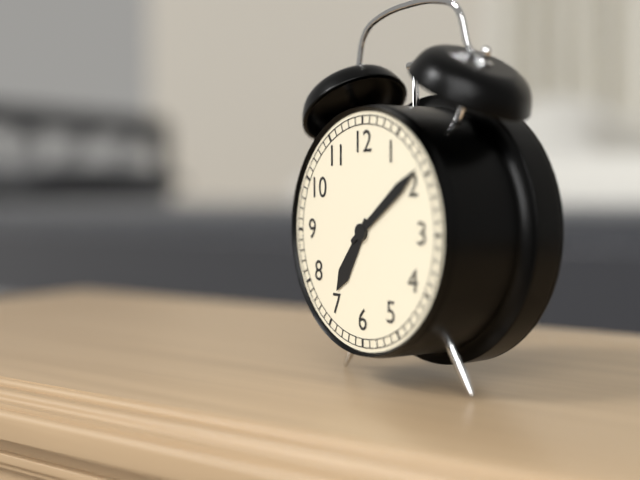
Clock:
7:09
